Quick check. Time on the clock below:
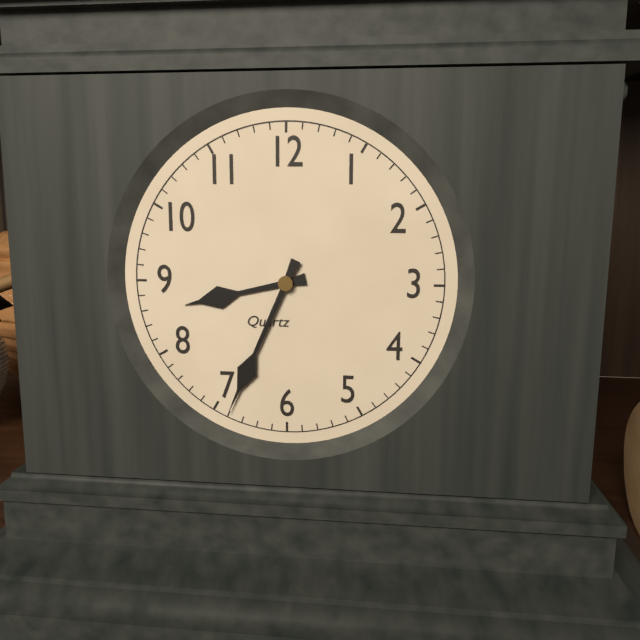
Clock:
8:34
